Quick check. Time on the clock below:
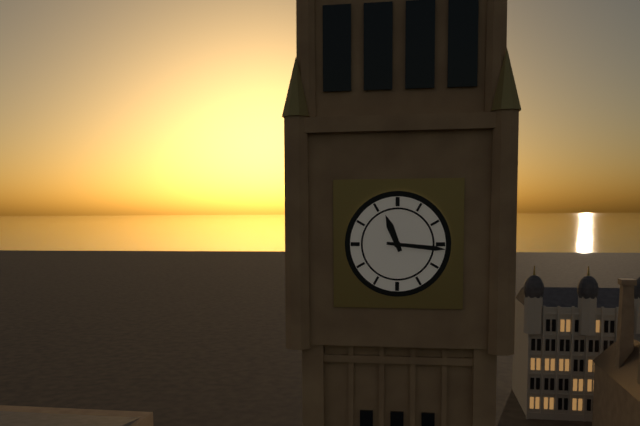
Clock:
11:16
